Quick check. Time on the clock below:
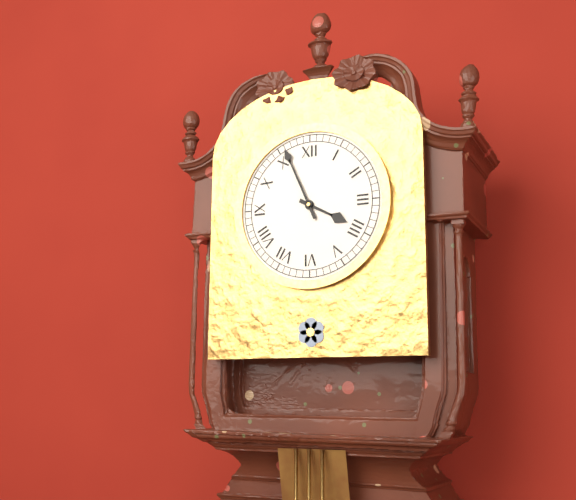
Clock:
3:56
